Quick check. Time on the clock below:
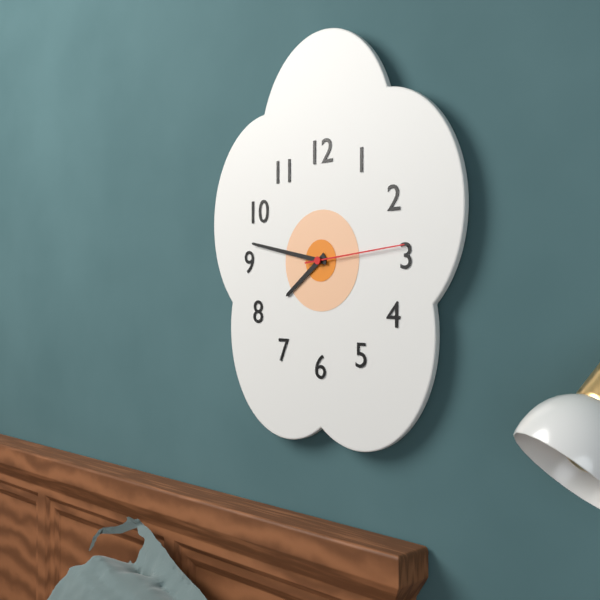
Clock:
7:47:14
